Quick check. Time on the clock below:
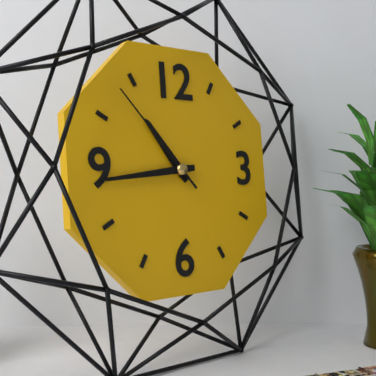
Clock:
10:44:53
